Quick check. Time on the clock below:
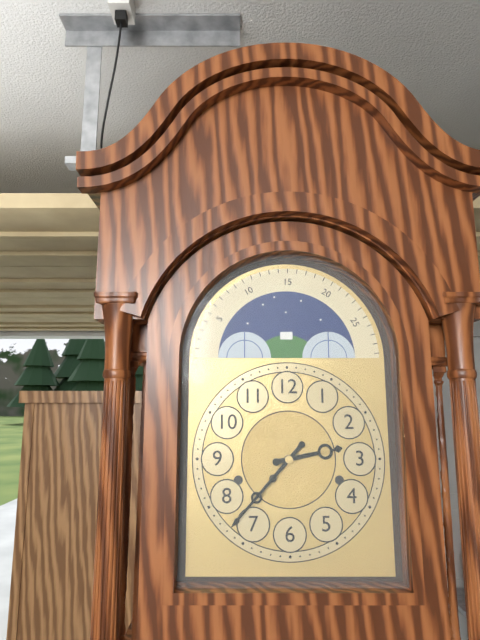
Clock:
2:37
